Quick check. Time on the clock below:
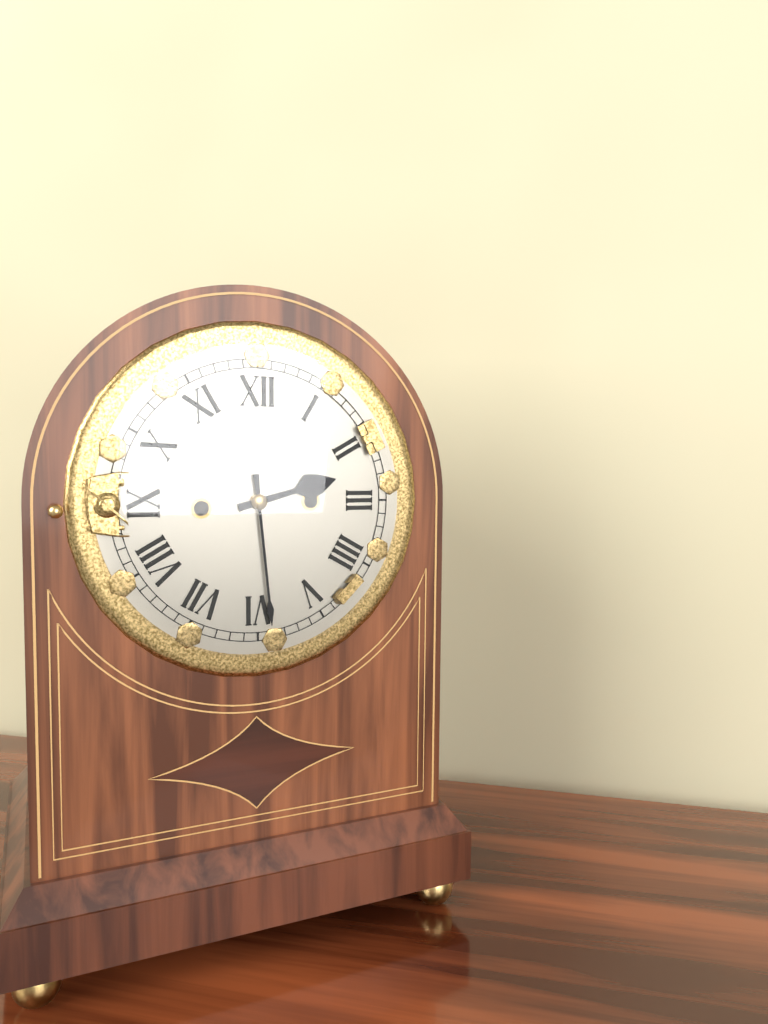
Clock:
2:29
